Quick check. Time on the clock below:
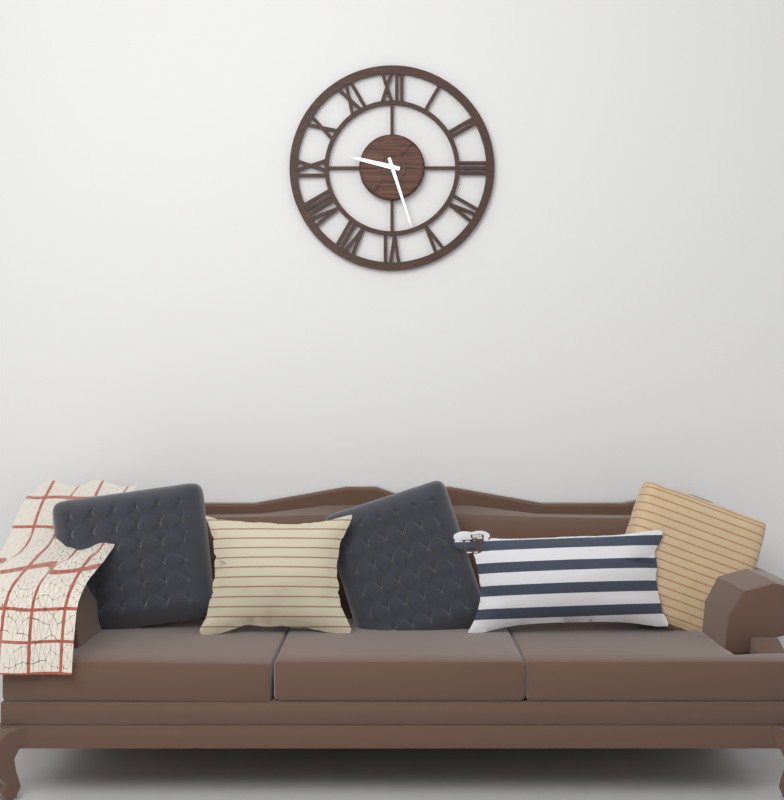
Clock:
9:27
